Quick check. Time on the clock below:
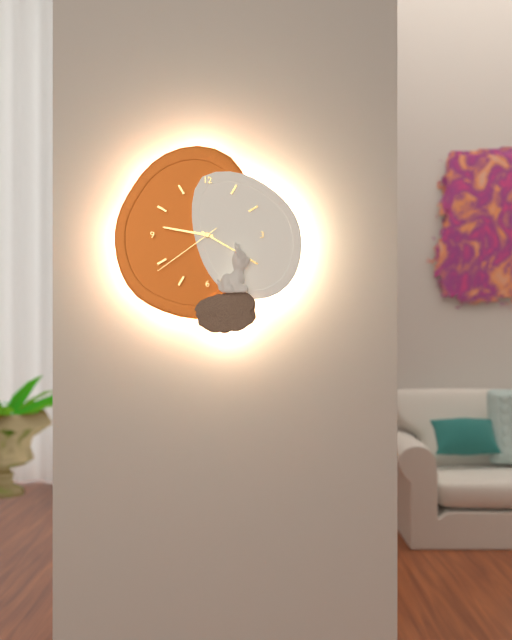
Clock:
9:20:39
